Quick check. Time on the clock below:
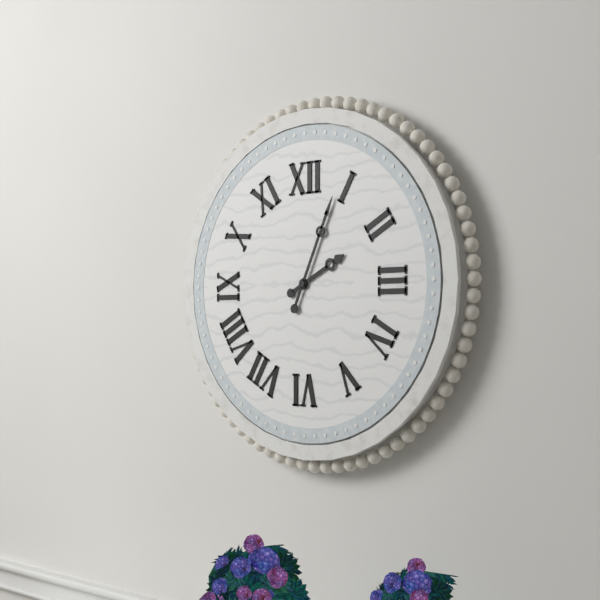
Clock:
2:04
